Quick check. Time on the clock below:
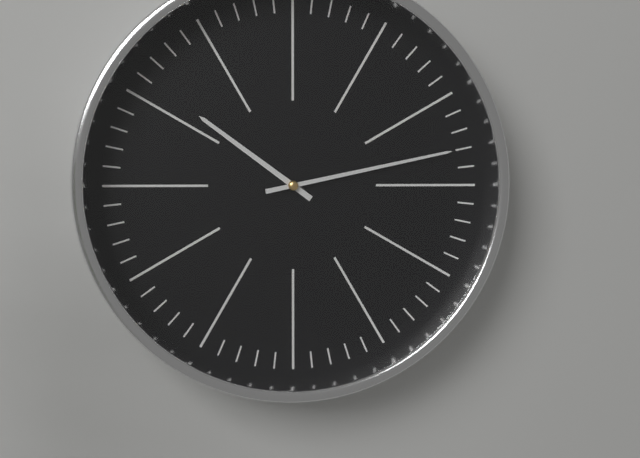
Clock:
10:13
